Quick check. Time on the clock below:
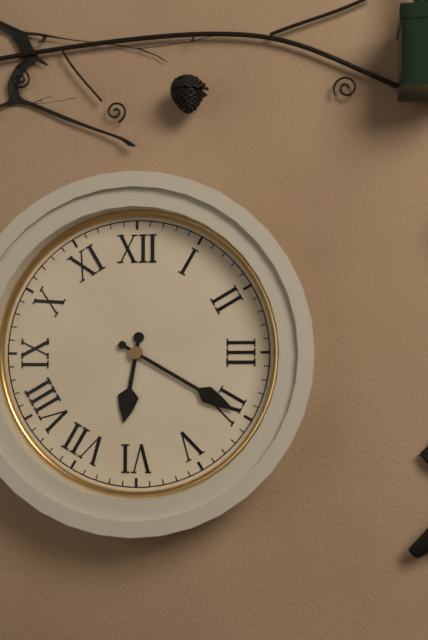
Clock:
6:20
